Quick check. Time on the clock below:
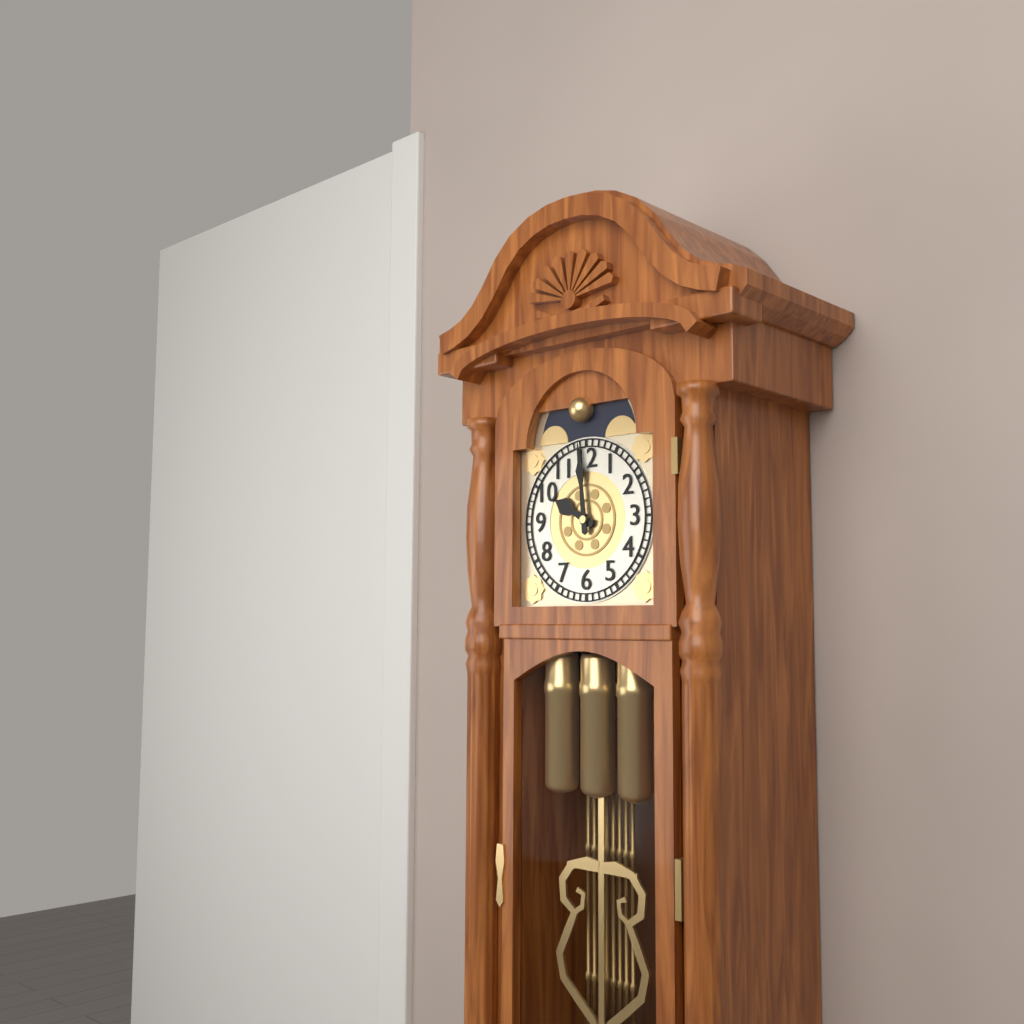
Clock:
9:59
